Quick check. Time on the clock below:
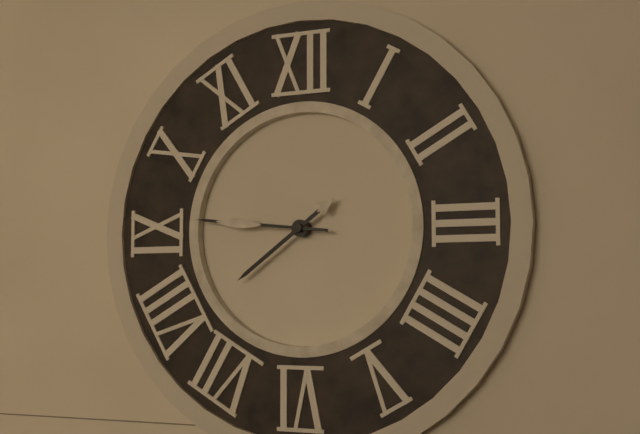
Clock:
7:46
